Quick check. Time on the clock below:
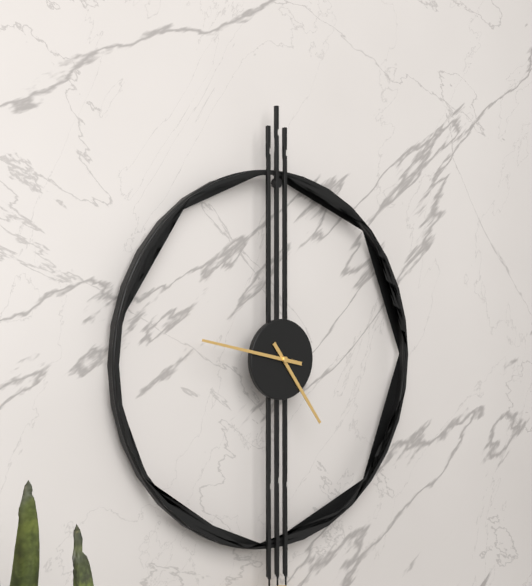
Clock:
4:47
